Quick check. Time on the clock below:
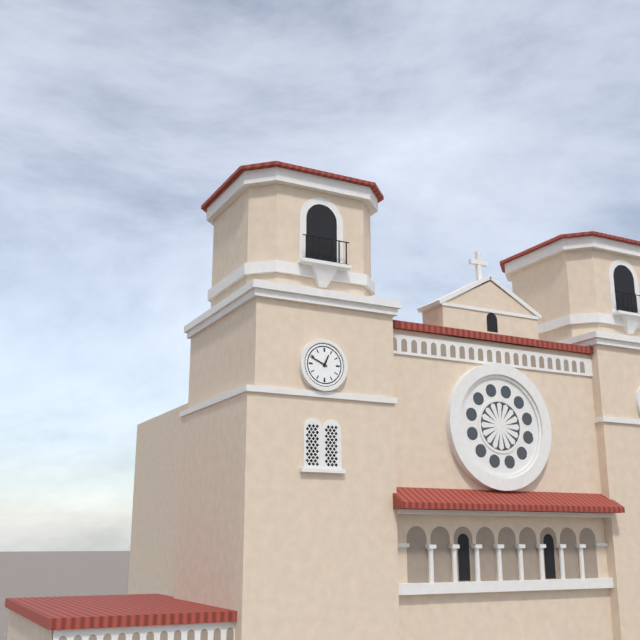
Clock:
12:49
